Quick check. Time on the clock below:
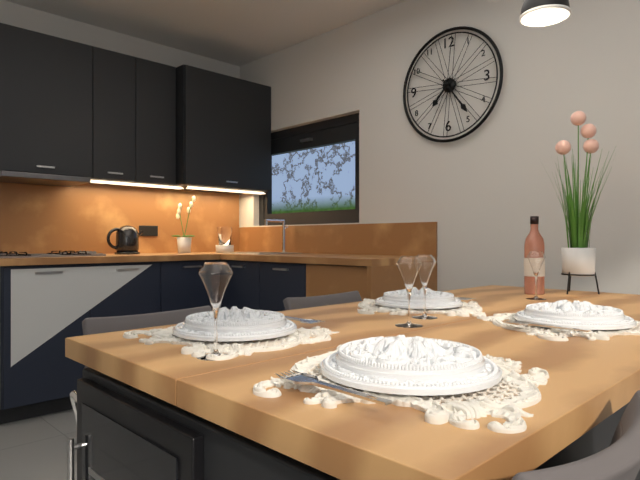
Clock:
7:24
